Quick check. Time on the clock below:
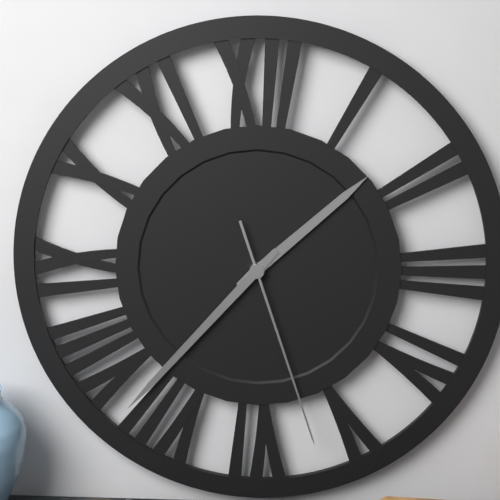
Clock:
1:37:27
